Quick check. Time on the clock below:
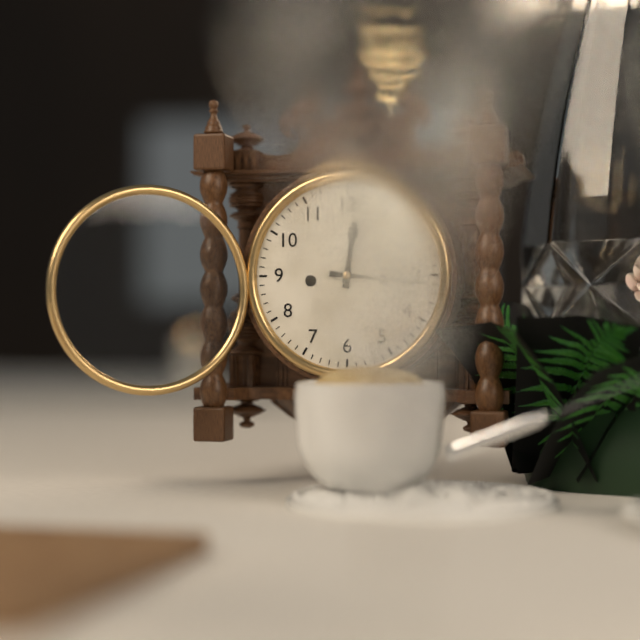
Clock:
12:16
